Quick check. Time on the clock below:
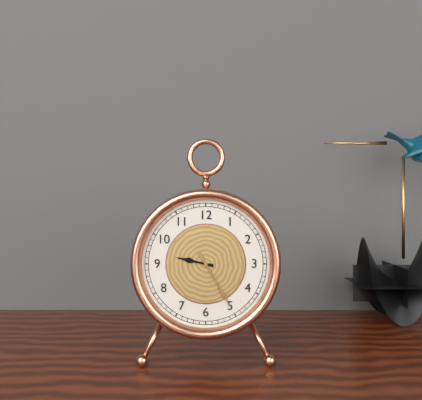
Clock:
9:25
